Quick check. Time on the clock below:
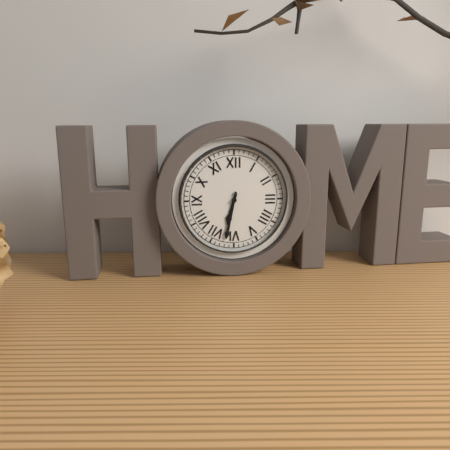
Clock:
6:32
